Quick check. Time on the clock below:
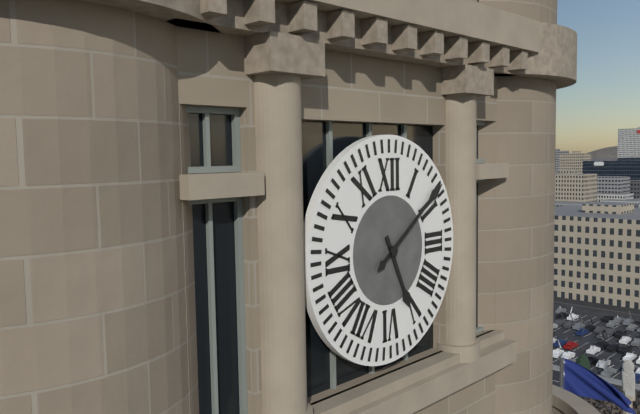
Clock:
5:09
